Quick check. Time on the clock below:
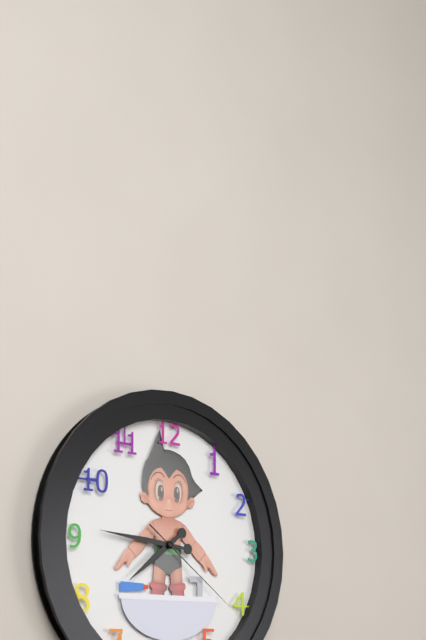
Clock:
7:46:21
